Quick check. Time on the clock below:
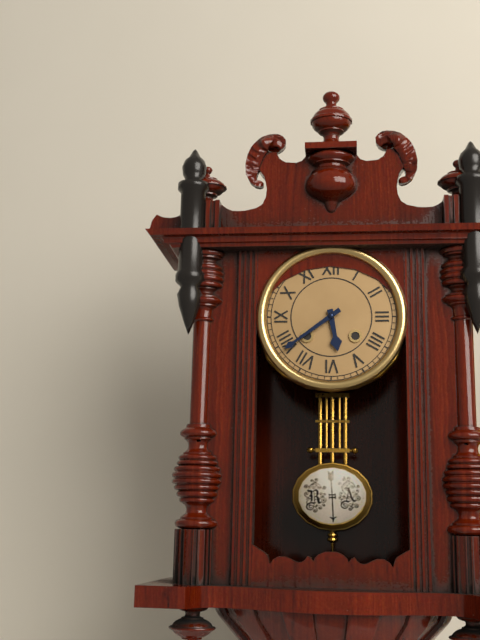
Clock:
5:39
